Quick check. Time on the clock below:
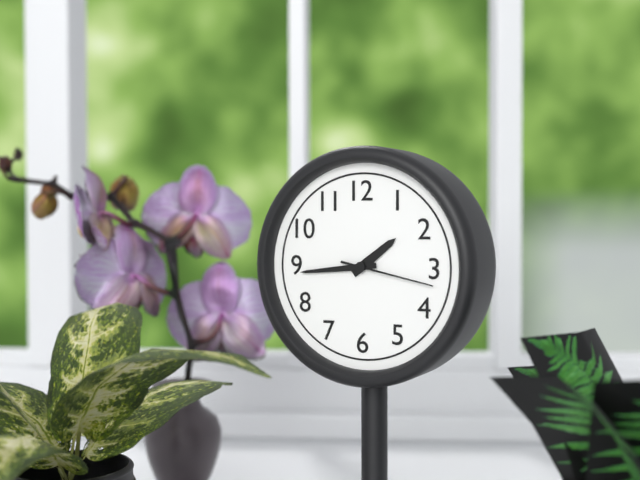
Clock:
1:44:17
